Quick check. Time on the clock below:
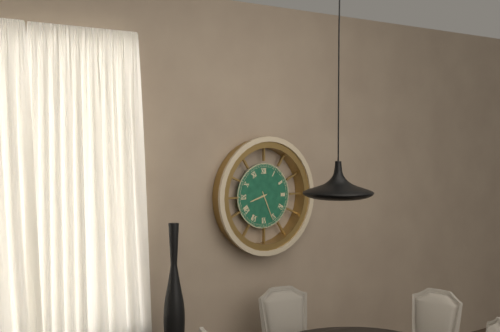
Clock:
8:26
